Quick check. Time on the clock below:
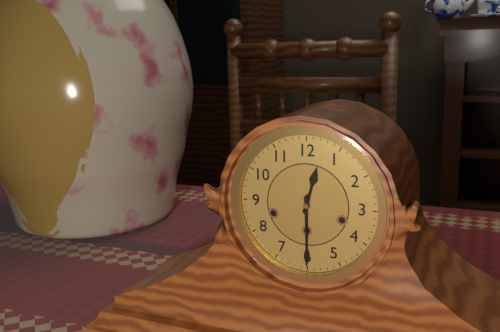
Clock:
12:30
